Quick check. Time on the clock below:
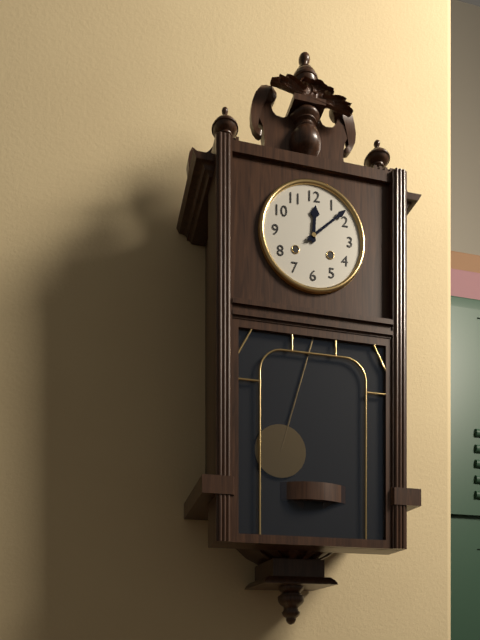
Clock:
12:08
